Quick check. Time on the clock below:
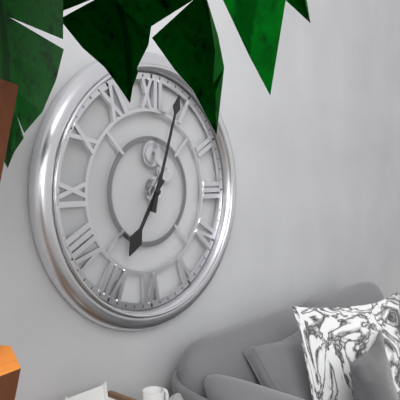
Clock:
7:03
